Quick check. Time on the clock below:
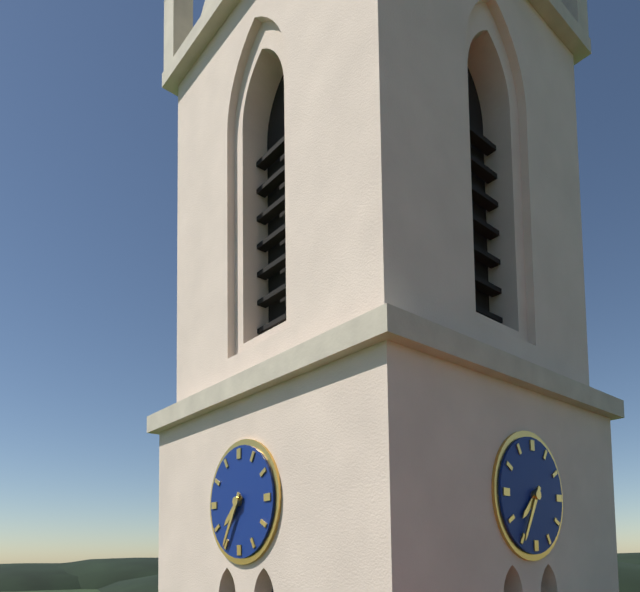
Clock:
7:35
